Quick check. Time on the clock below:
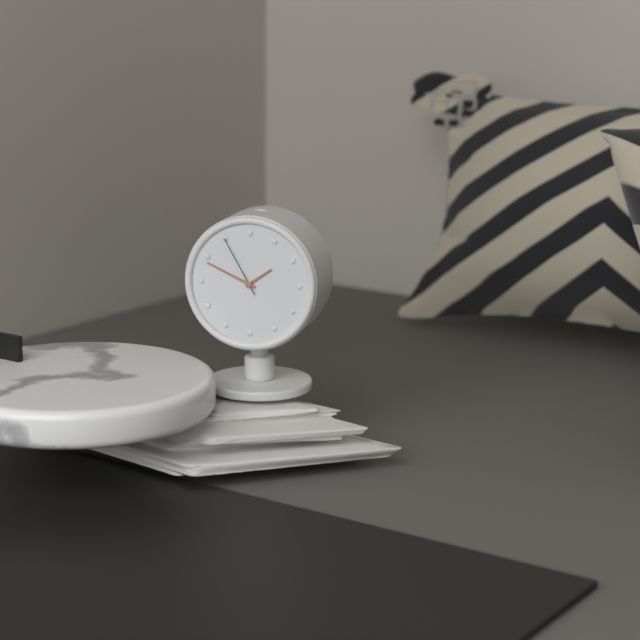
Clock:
1:49:55
